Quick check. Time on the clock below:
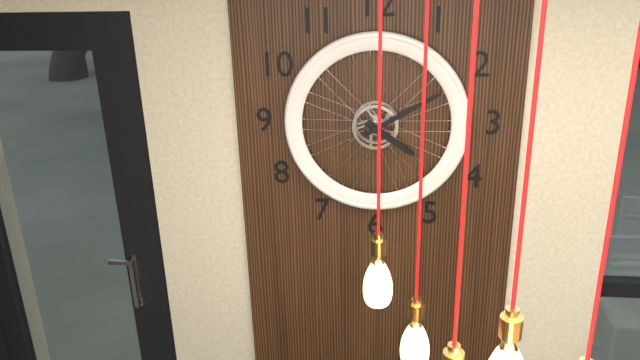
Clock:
4:10
